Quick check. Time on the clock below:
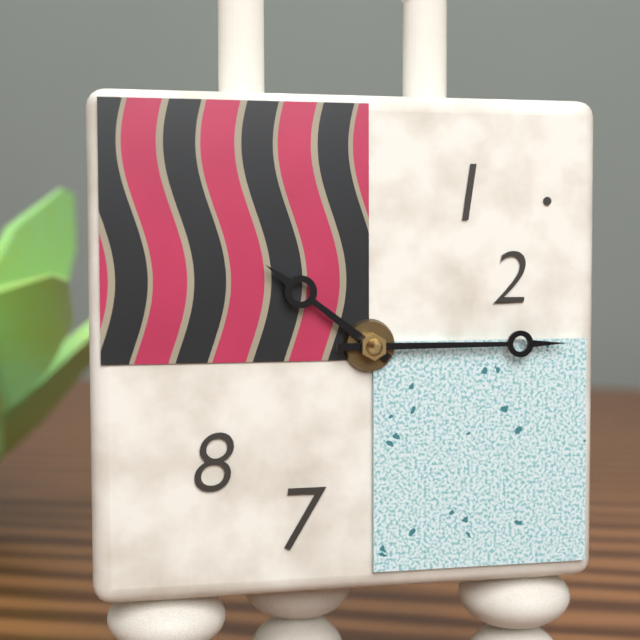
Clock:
10:15
